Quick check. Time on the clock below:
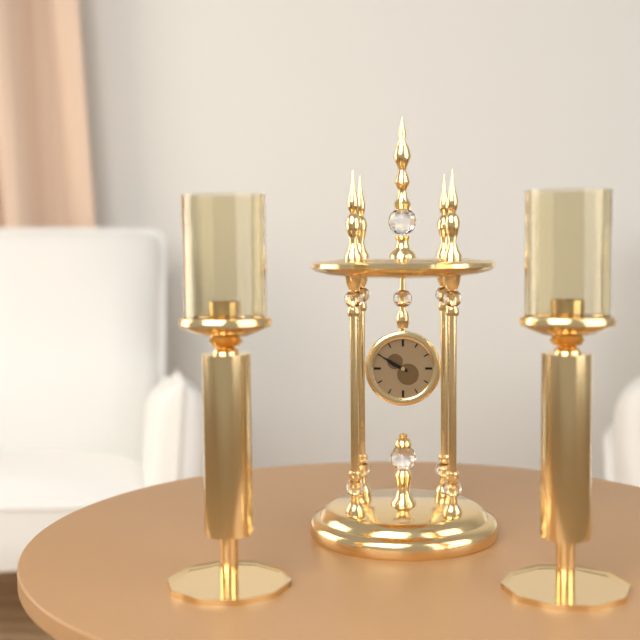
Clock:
9:50
